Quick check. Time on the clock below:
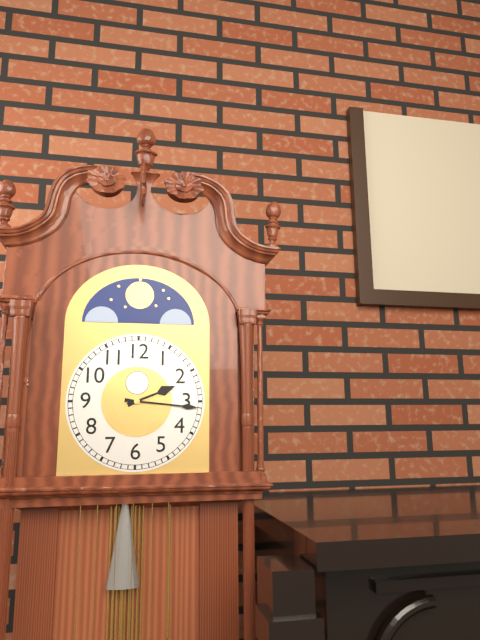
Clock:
2:16
